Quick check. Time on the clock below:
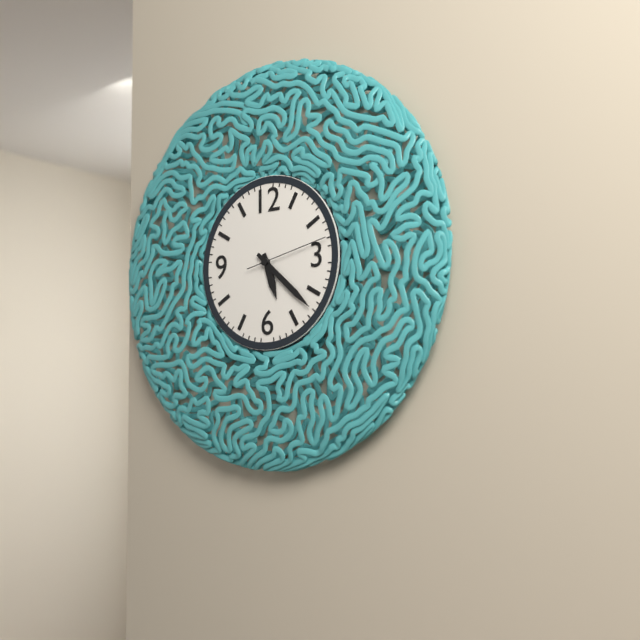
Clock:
5:22:13
